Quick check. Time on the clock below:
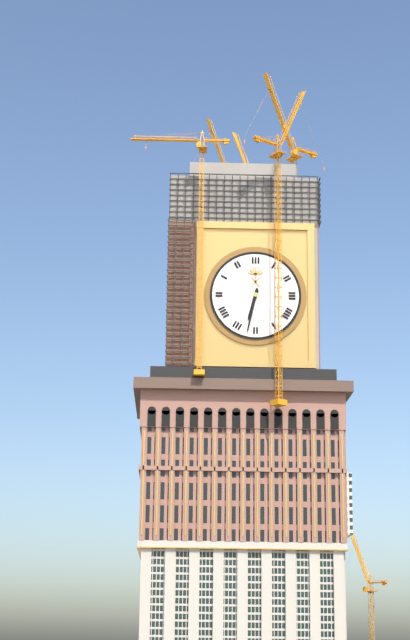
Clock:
6:32
